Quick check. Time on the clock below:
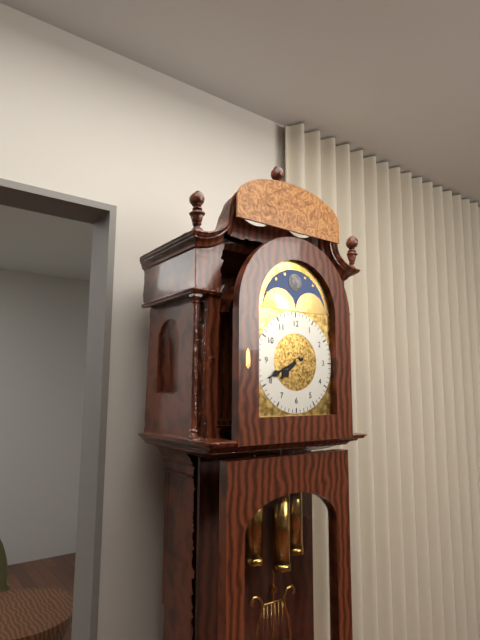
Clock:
7:41
